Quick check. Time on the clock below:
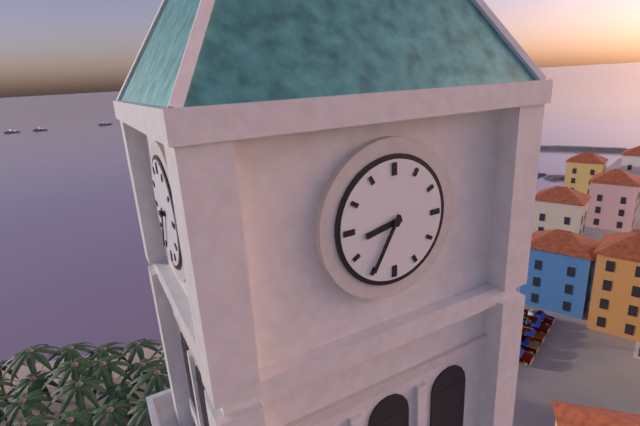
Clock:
8:35
